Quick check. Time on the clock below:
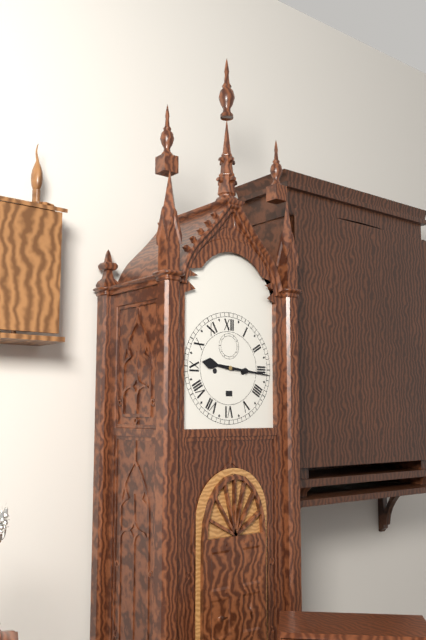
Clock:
9:16
